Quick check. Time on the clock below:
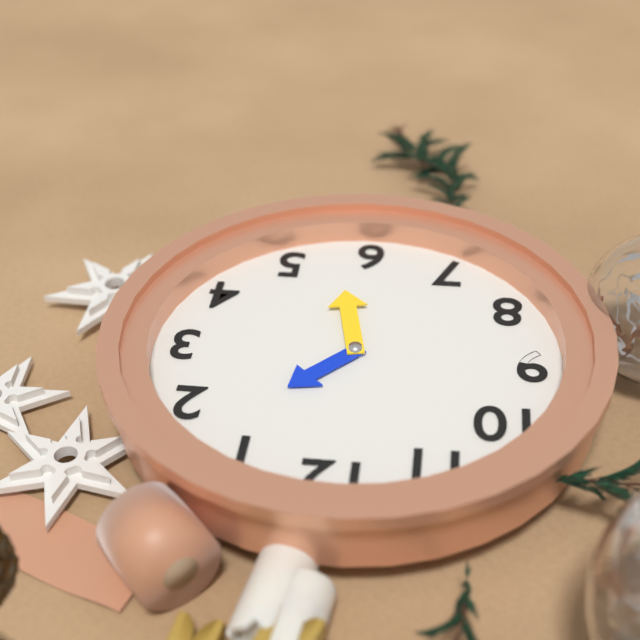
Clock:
1:28
